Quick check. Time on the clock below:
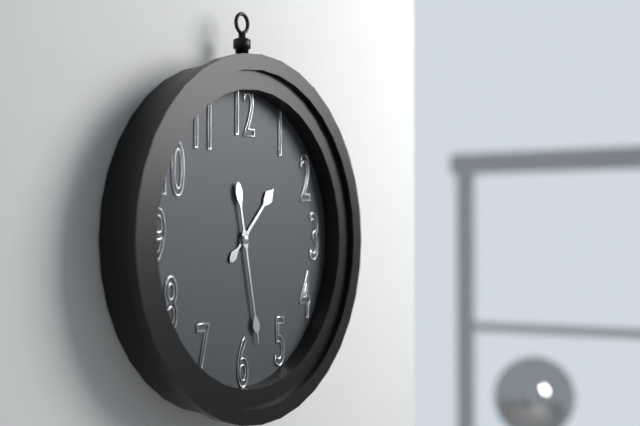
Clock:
1:28
